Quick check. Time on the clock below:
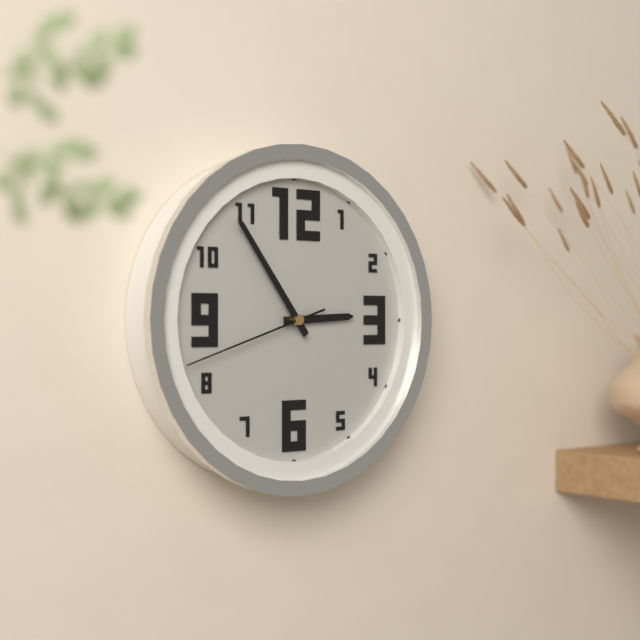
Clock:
2:54:42
